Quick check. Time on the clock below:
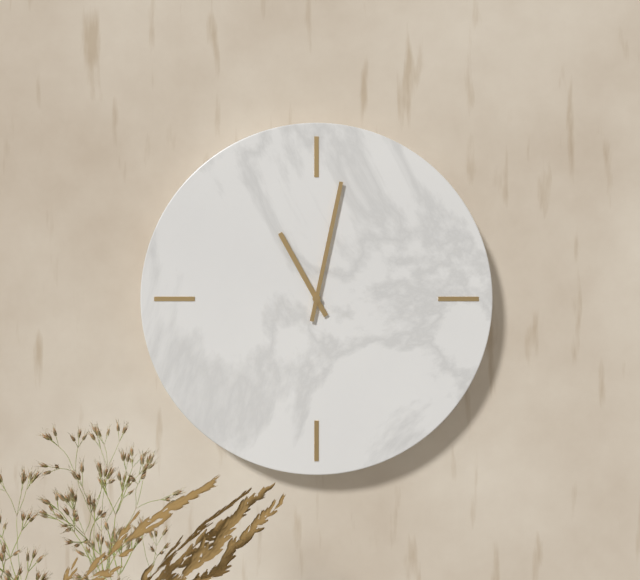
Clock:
11:02
